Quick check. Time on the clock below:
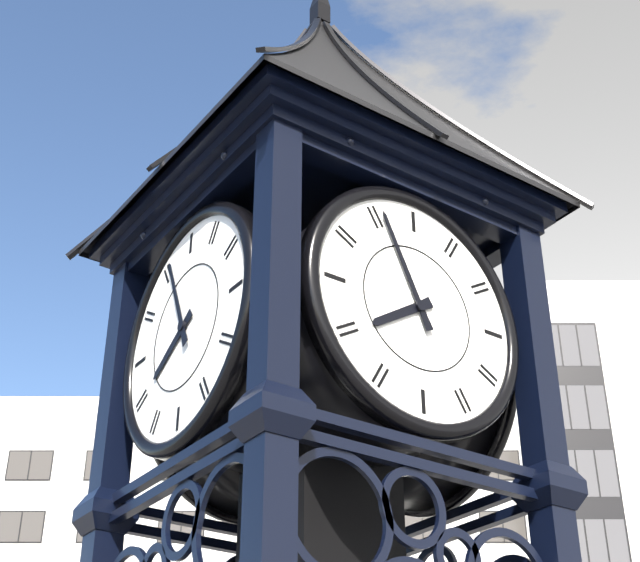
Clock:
7:56
